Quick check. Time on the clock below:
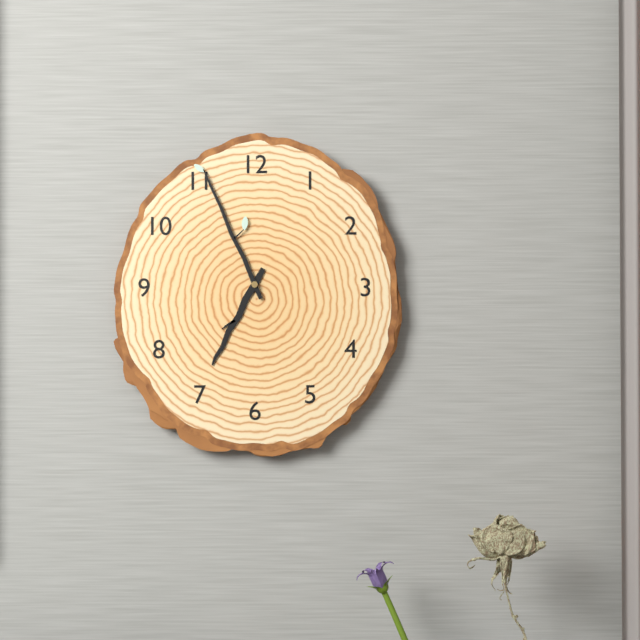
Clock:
6:56
